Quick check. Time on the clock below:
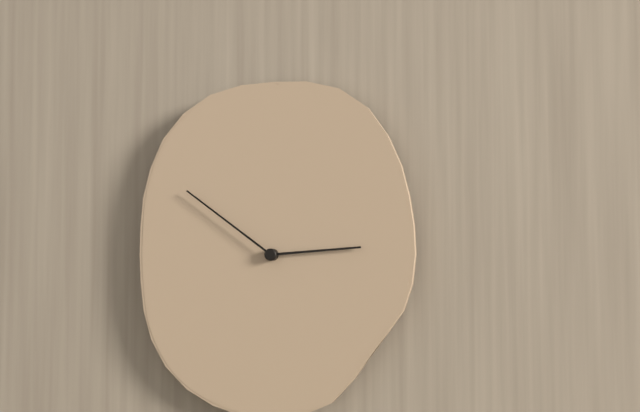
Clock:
2:51
